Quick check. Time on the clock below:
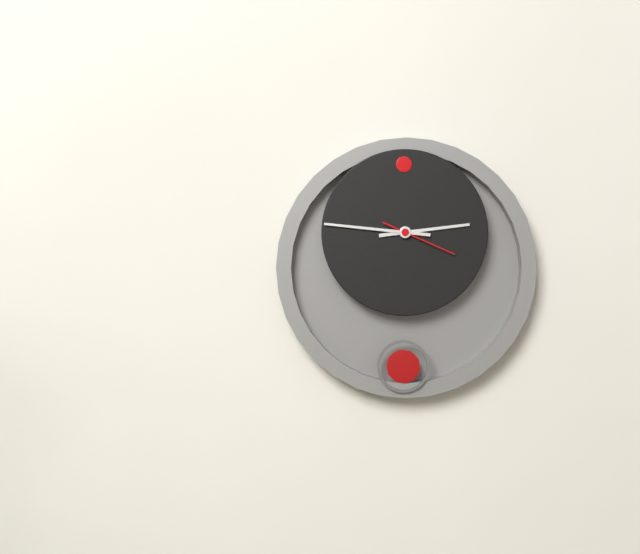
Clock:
2:46:19
